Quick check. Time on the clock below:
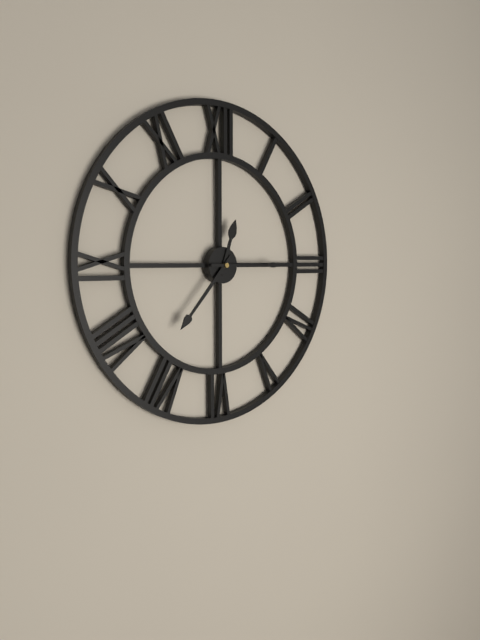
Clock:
12:37:15
